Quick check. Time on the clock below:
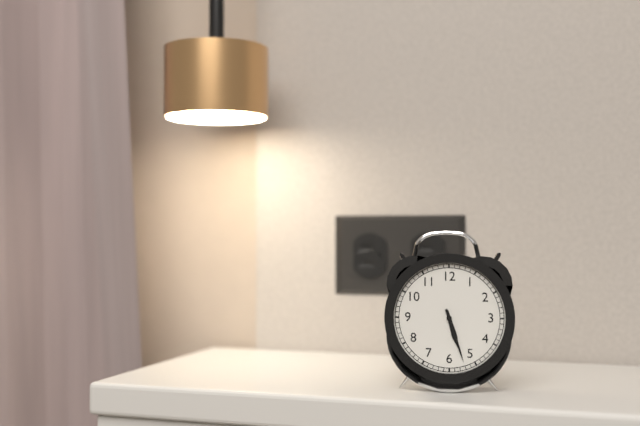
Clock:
5:27
